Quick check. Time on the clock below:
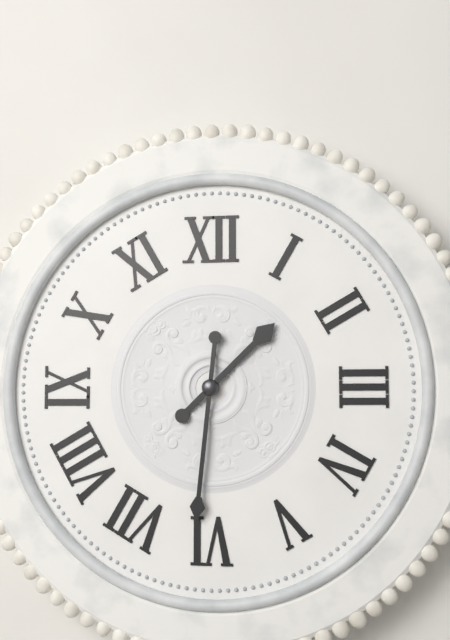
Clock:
1:31
